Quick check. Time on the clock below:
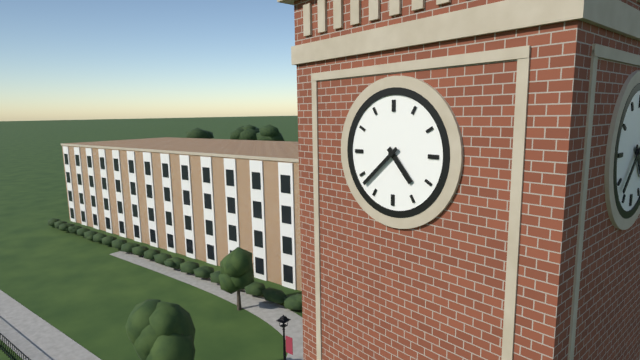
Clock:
4:38
